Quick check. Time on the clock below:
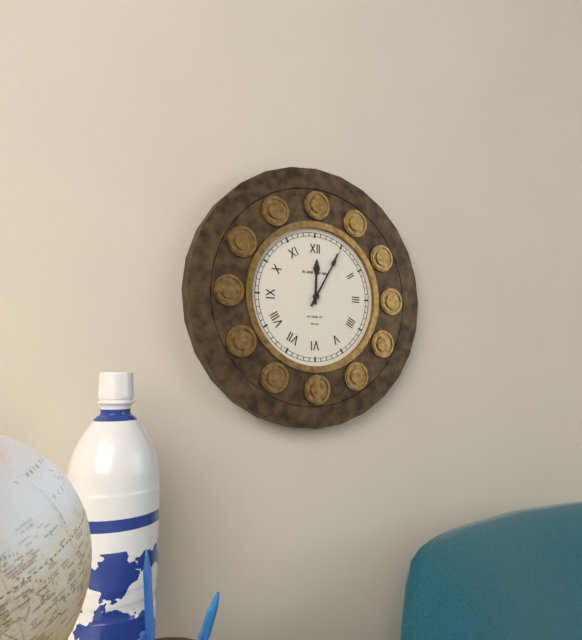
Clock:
12:05
